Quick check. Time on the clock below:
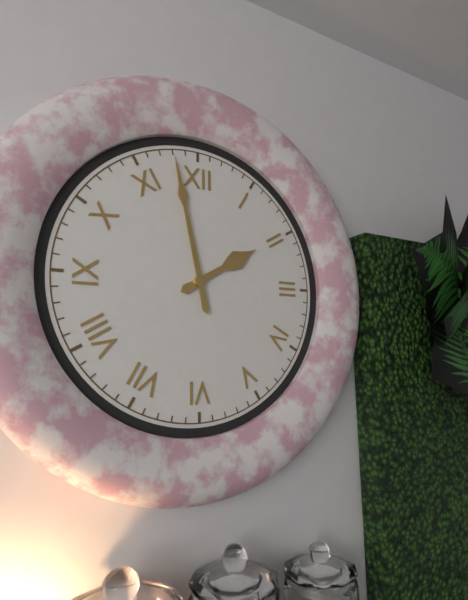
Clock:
1:58
